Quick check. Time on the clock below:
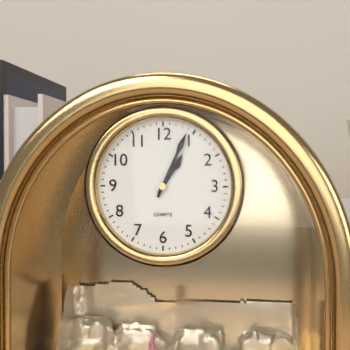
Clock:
1:04
